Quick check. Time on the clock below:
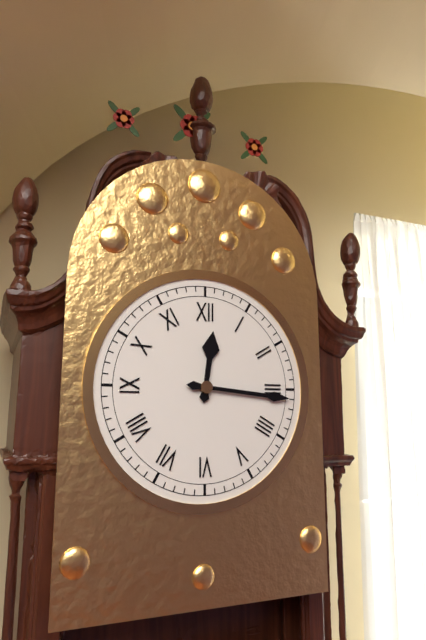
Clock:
12:16
